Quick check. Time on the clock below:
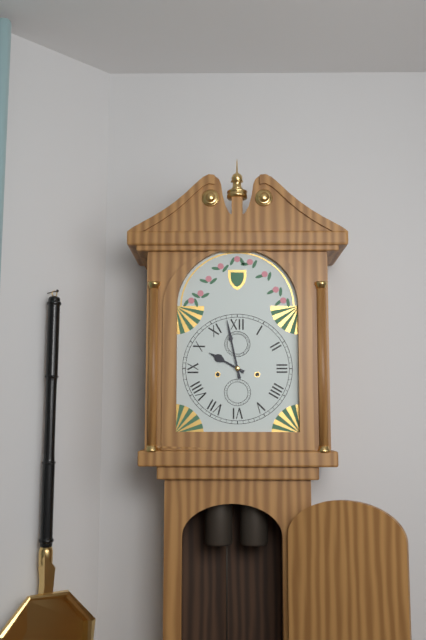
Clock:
9:58
